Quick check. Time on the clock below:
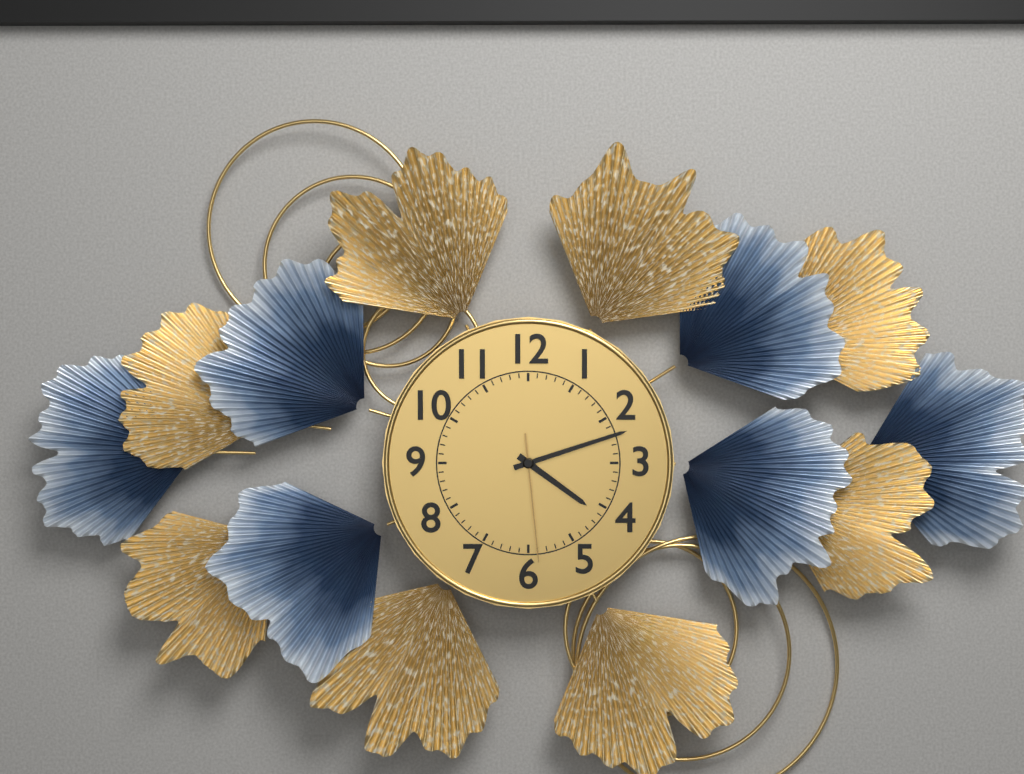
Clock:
4:12:29
